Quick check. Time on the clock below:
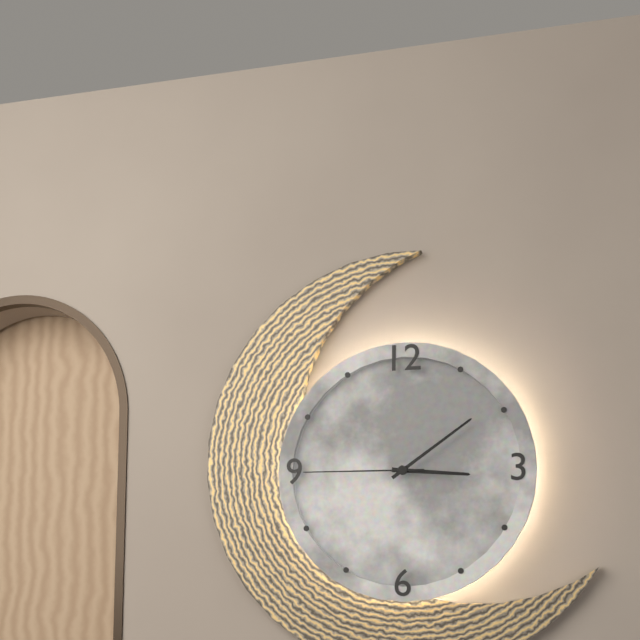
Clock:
3:09:45
